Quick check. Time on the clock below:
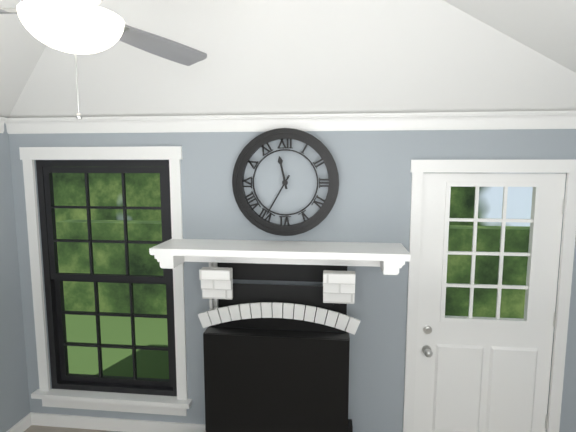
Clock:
11:35
